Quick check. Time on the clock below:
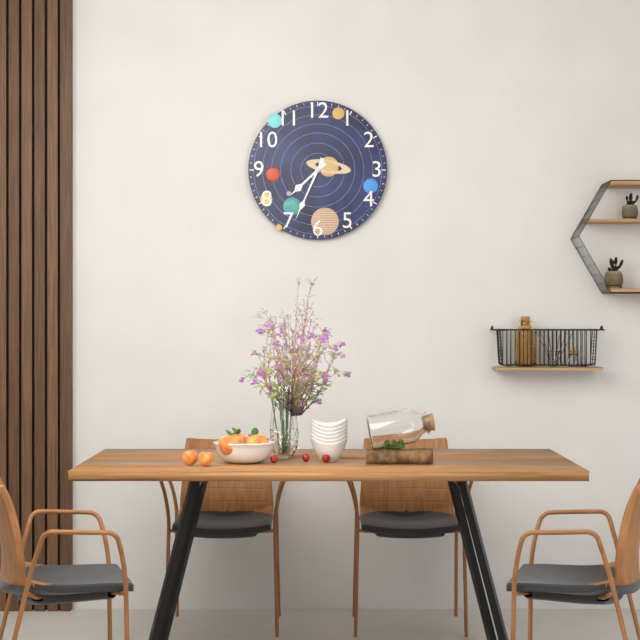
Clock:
7:34
